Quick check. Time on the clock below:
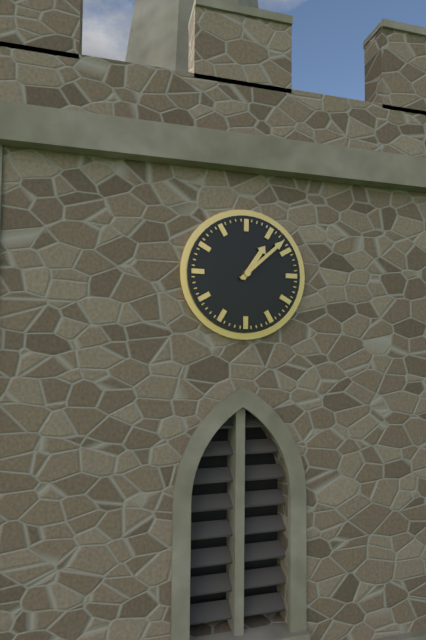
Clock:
1:08
